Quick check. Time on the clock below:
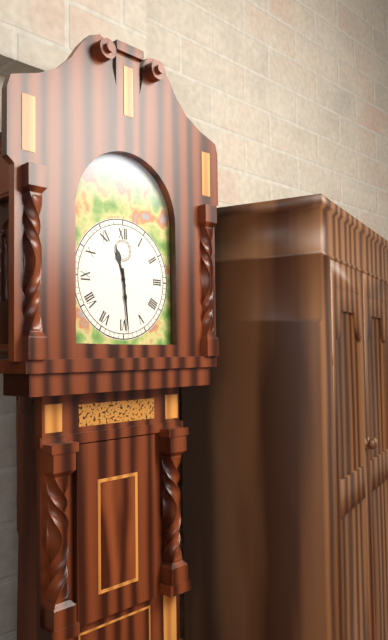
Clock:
11:29
